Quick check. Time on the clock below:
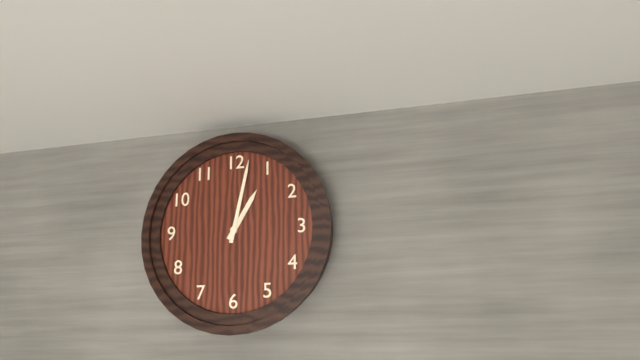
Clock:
1:02
